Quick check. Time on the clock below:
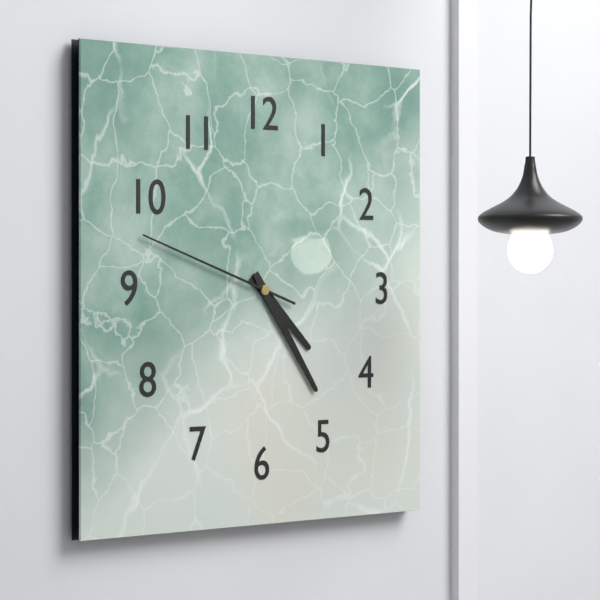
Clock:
4:24:48
